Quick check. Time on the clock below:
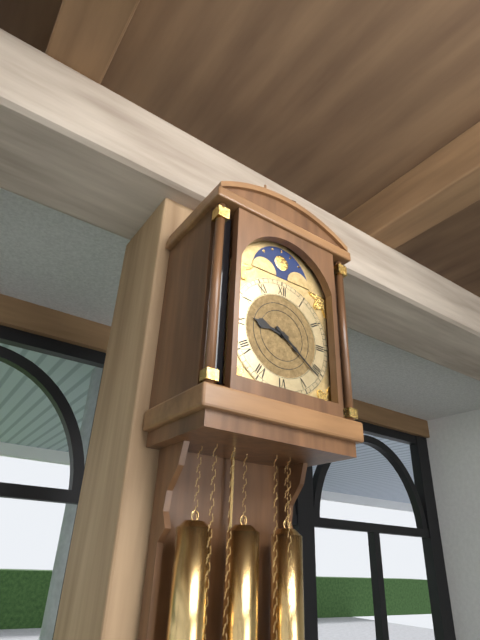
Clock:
9:21
